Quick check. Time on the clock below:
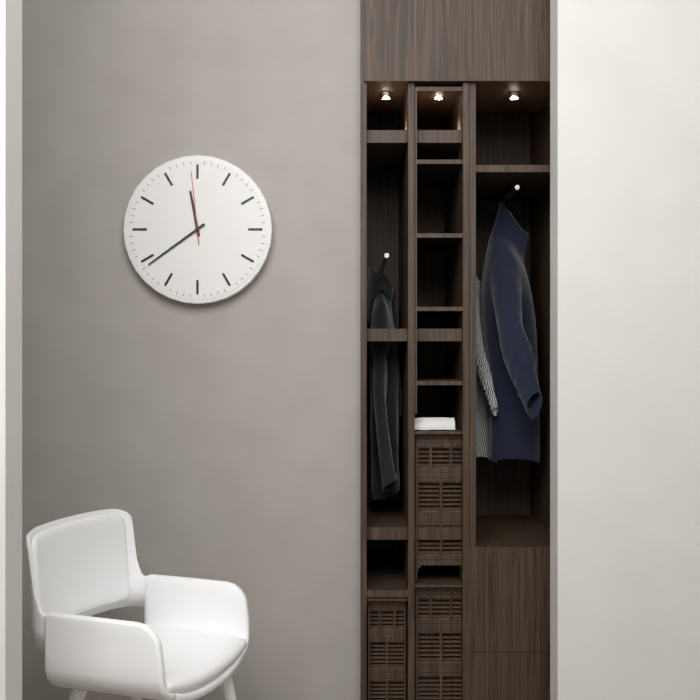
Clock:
11:39:59
